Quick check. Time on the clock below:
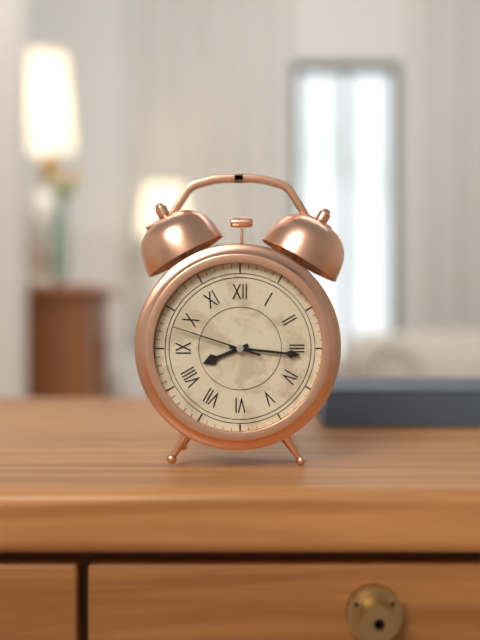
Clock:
8:16:48
